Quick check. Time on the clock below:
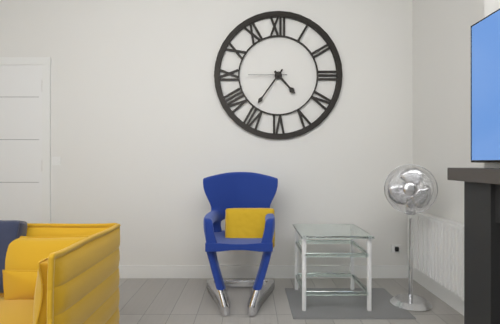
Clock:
4:36
